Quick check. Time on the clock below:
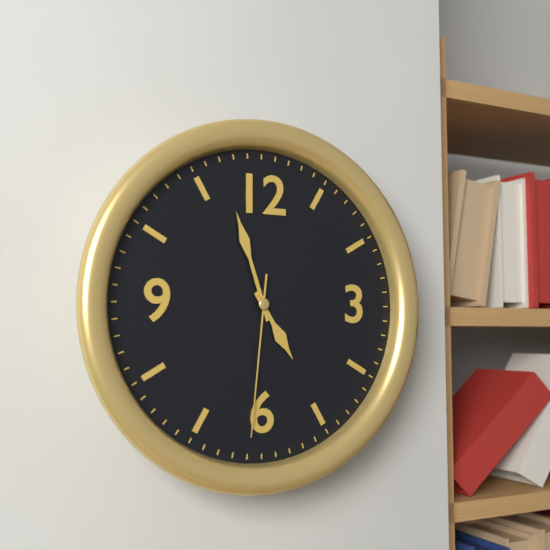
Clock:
4:57:31
